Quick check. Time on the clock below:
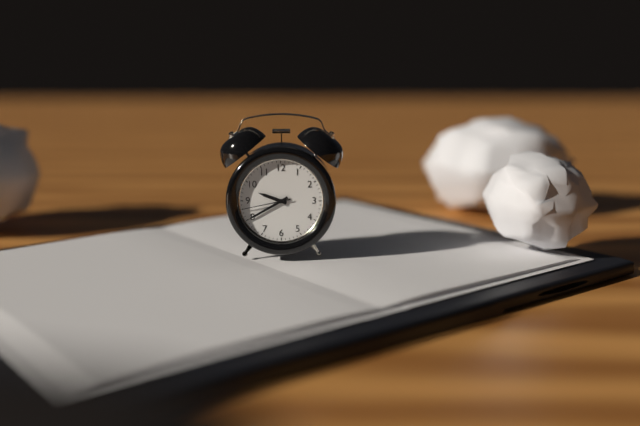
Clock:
9:40:43
